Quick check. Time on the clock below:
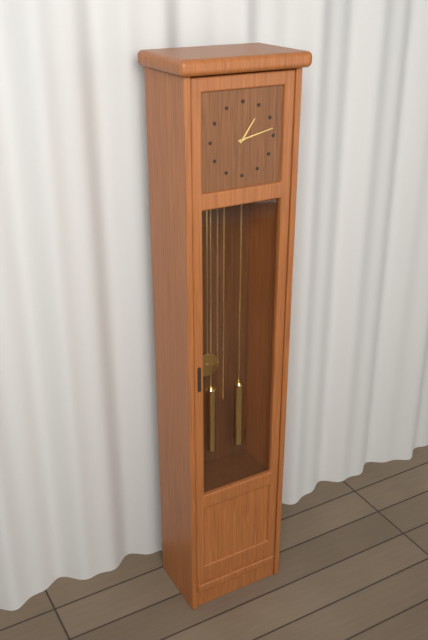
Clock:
1:13
